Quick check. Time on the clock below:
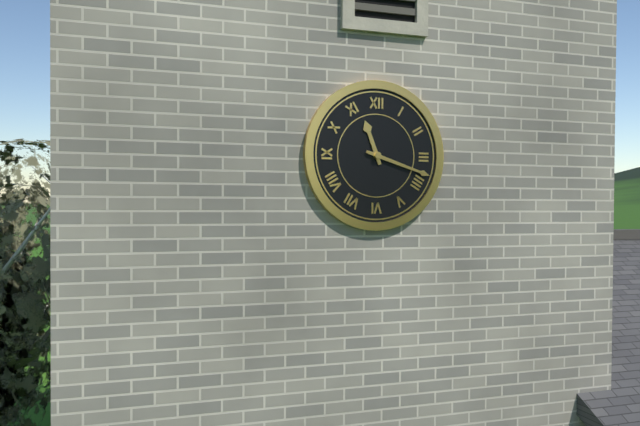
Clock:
11:18
